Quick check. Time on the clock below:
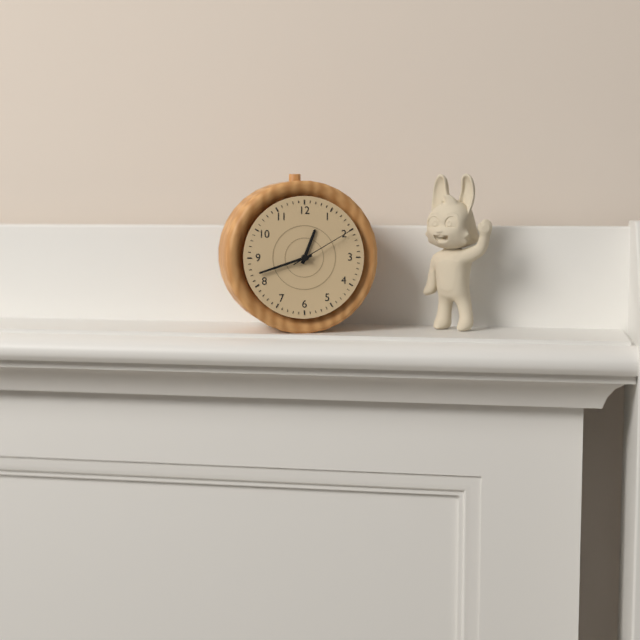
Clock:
12:42:10
